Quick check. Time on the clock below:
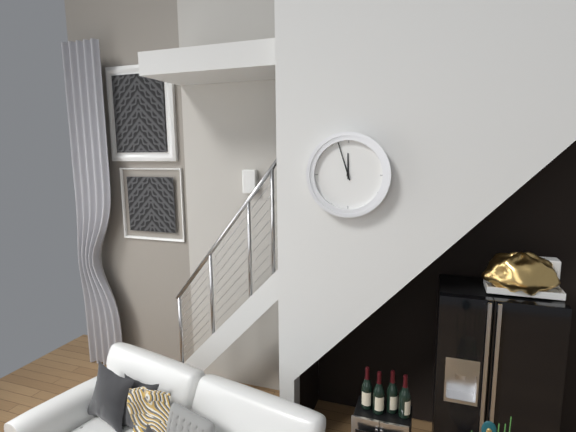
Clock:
11:57
